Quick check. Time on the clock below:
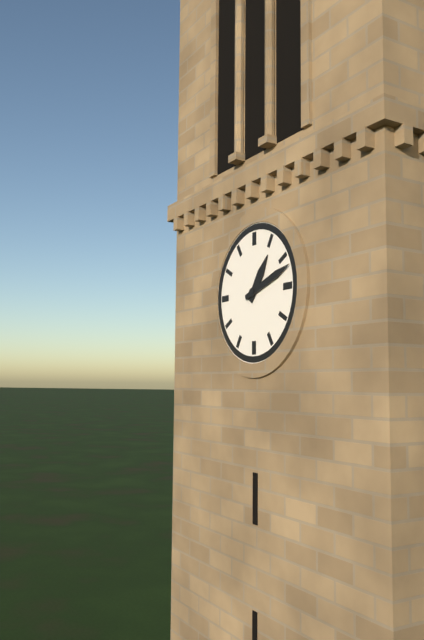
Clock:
1:12
